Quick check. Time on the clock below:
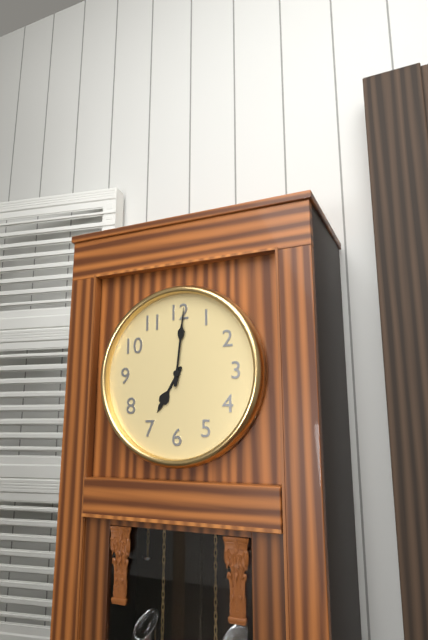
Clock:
7:01
